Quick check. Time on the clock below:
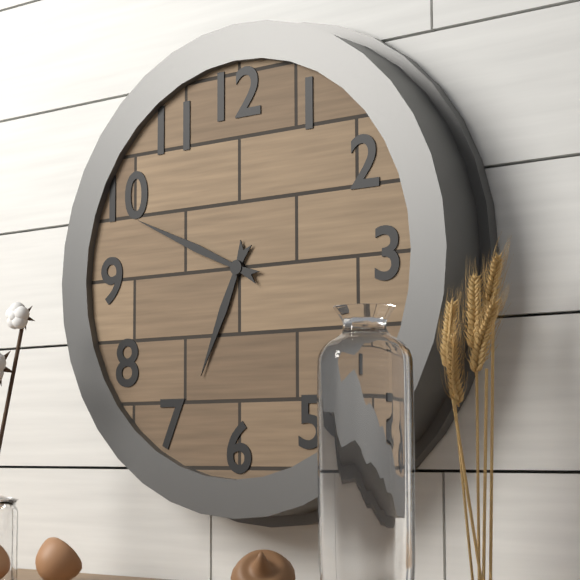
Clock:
6:49
